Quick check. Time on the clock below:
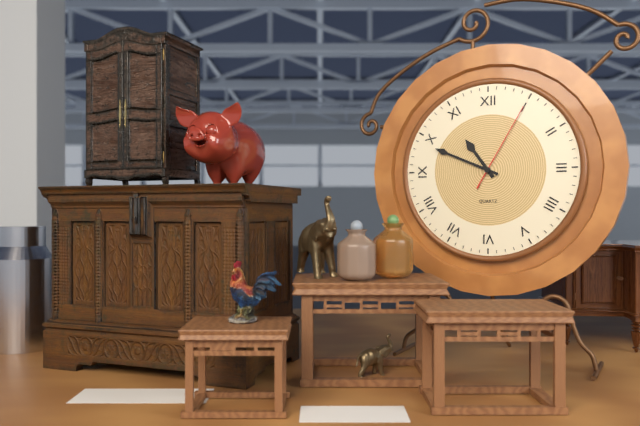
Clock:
10:49:05
